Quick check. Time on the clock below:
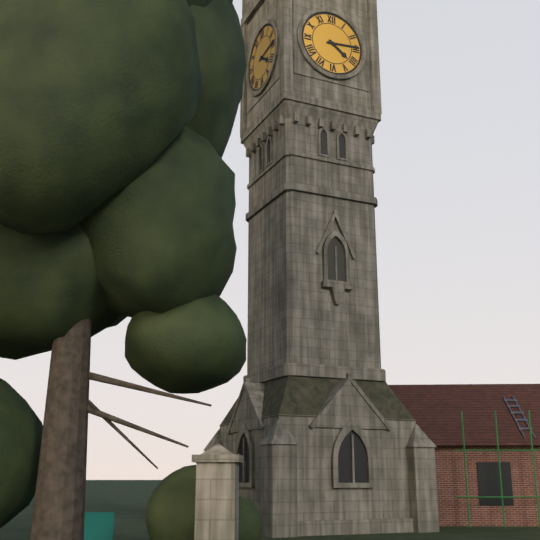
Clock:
4:14
